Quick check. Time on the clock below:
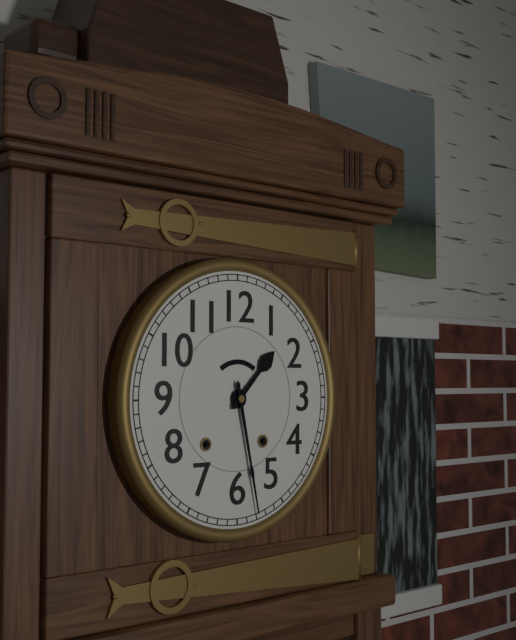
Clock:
1:28
